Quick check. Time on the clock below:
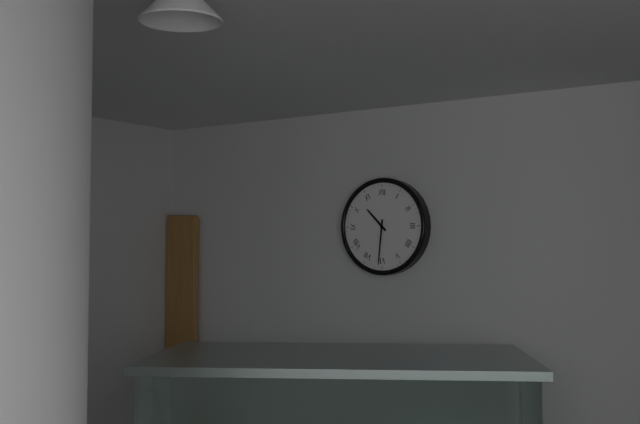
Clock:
10:31
